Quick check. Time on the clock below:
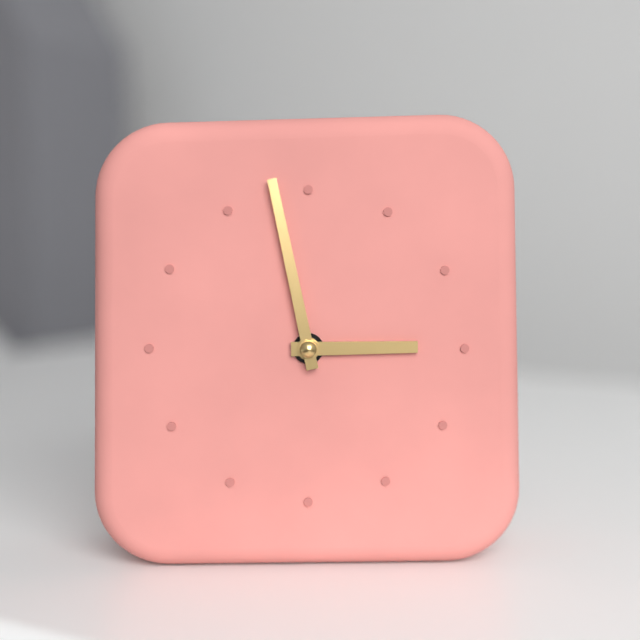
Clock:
2:58
